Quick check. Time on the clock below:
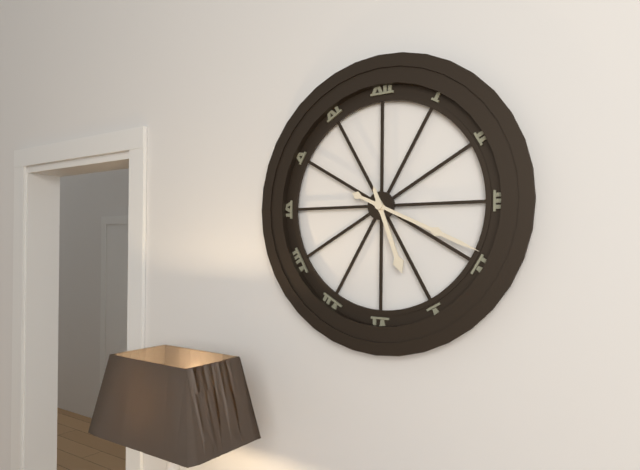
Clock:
5:19
